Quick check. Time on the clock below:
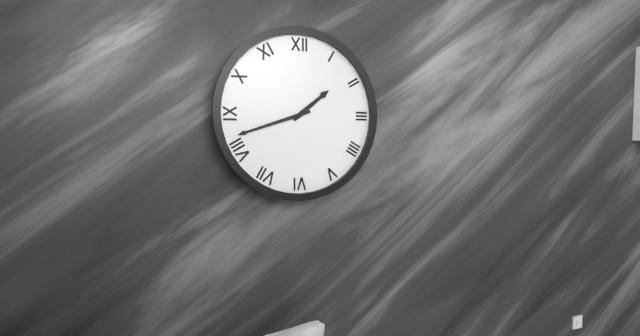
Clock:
1:42
